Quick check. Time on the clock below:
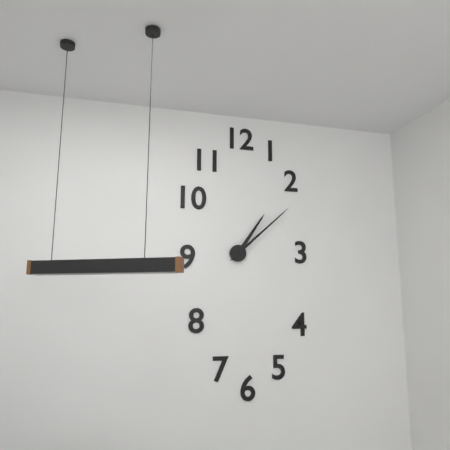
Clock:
1:08
